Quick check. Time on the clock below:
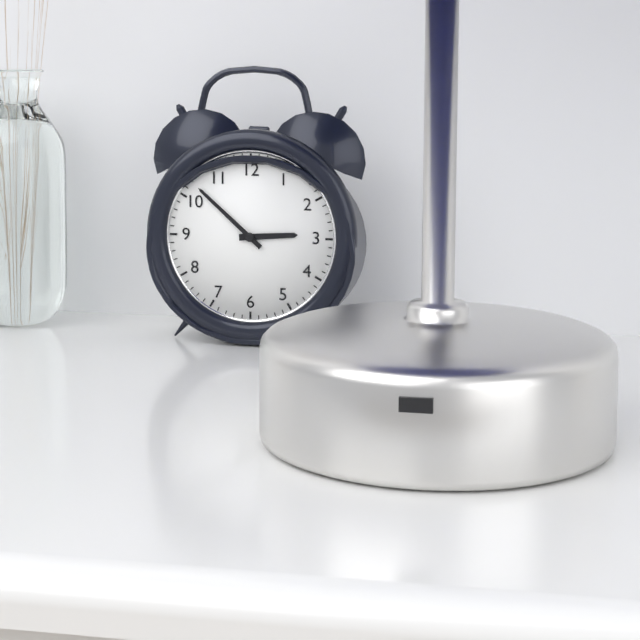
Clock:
2:52
